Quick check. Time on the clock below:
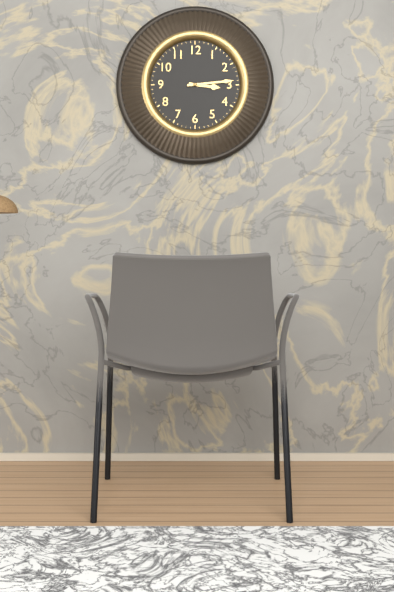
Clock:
3:14
